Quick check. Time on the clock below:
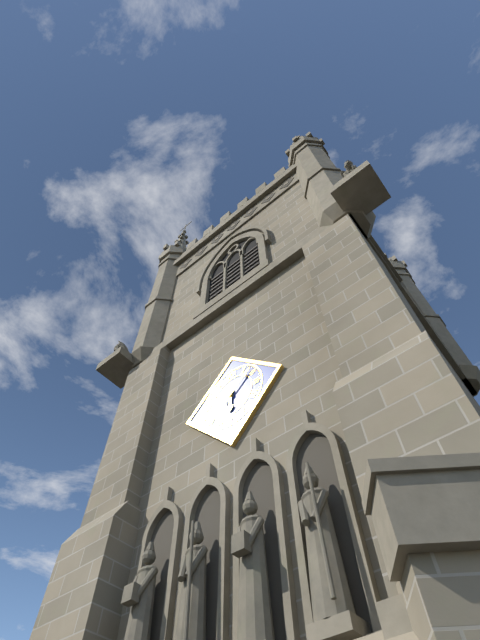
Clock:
6:08
